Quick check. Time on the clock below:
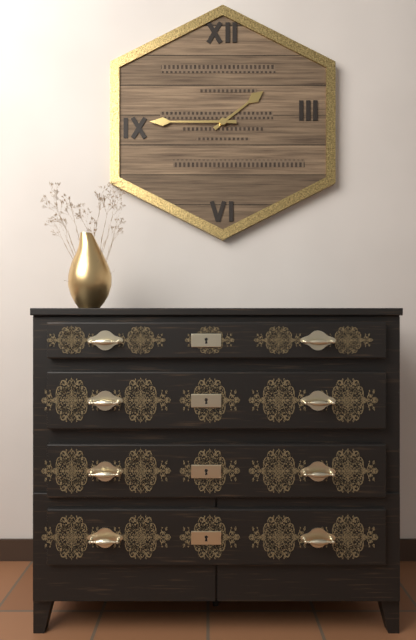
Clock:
1:45
